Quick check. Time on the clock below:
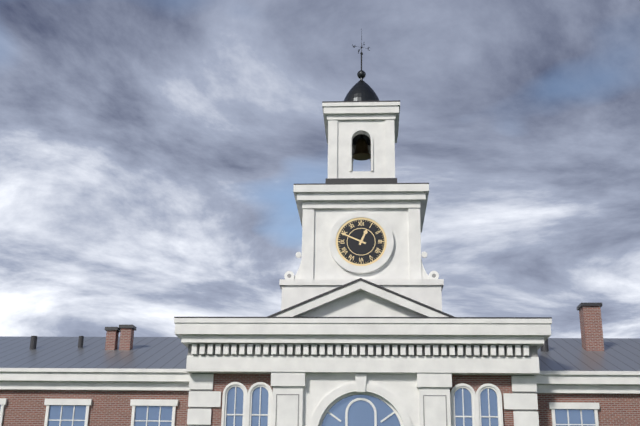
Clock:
12:49
